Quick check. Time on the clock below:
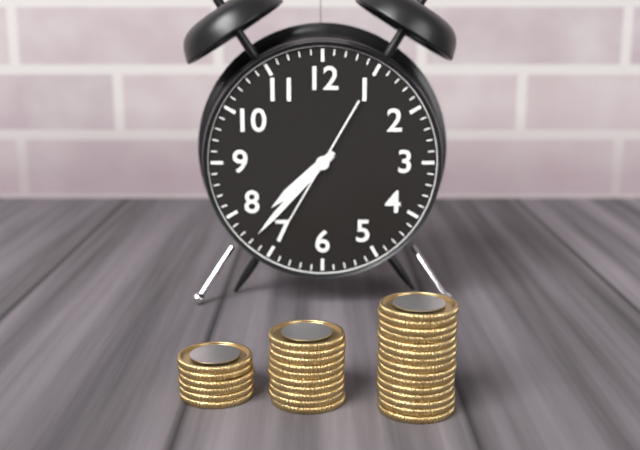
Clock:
7:37:35
